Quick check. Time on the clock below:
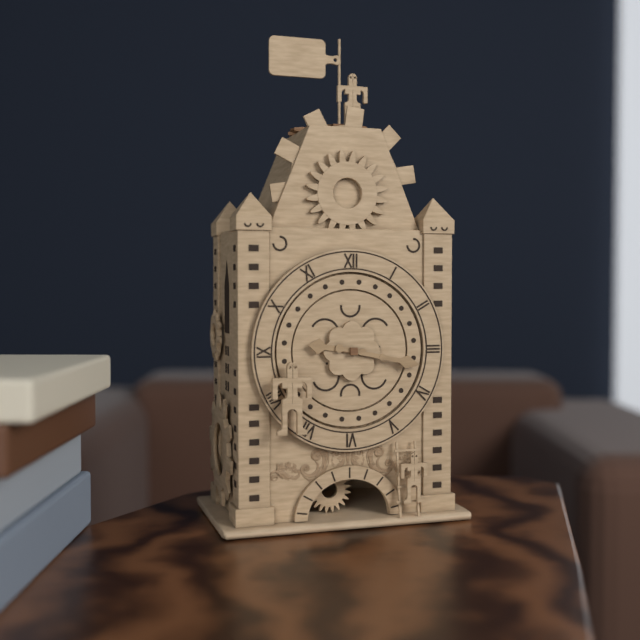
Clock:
9:17
